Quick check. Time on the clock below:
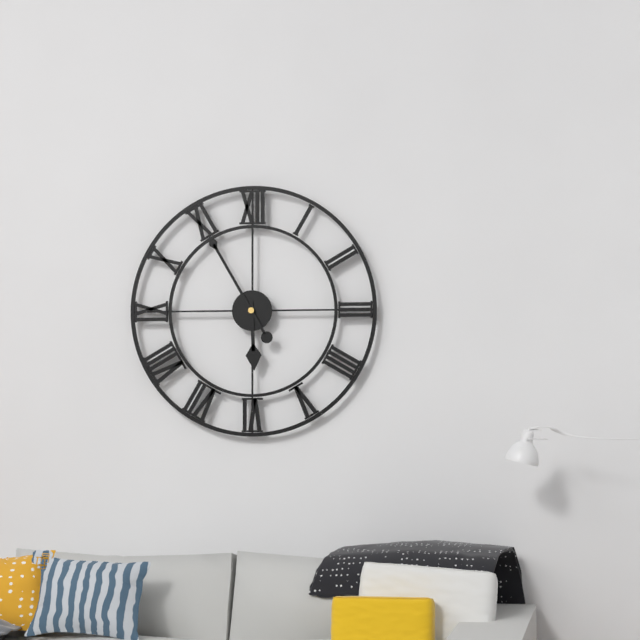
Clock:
5:55
